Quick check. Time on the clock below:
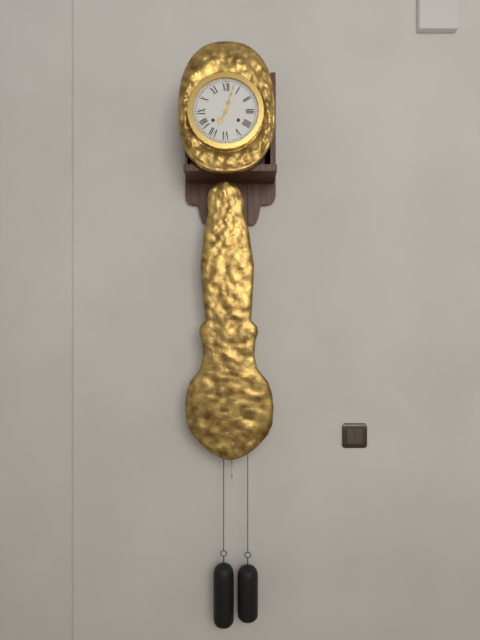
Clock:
7:03
